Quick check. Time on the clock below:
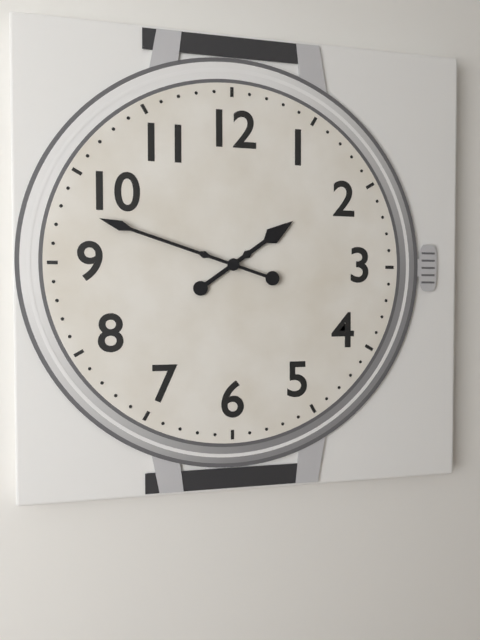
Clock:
1:48
